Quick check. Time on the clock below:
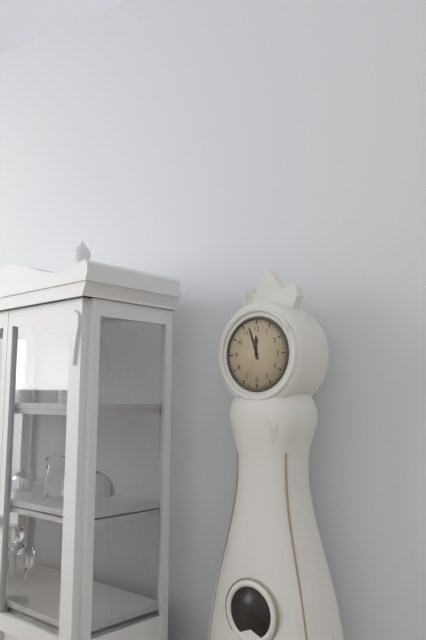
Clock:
11:57
